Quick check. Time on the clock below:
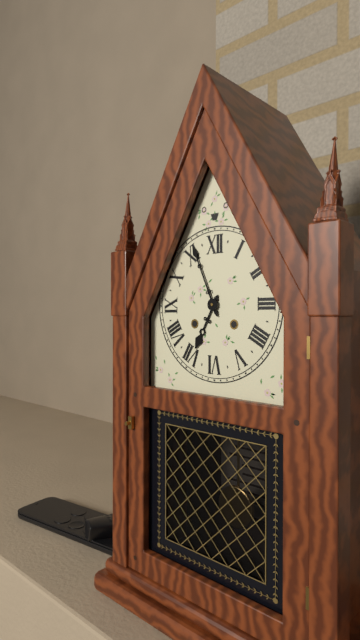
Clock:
6:56
